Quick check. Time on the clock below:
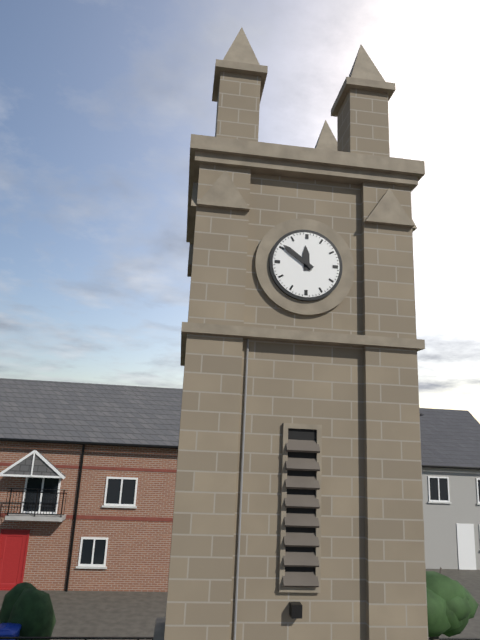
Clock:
11:51
